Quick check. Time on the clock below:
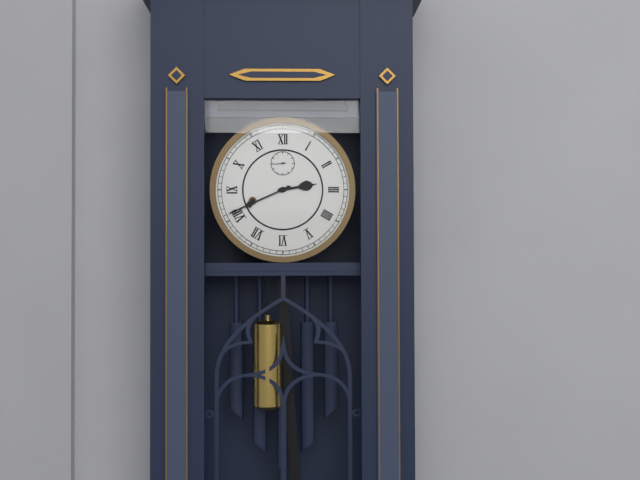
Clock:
2:41
